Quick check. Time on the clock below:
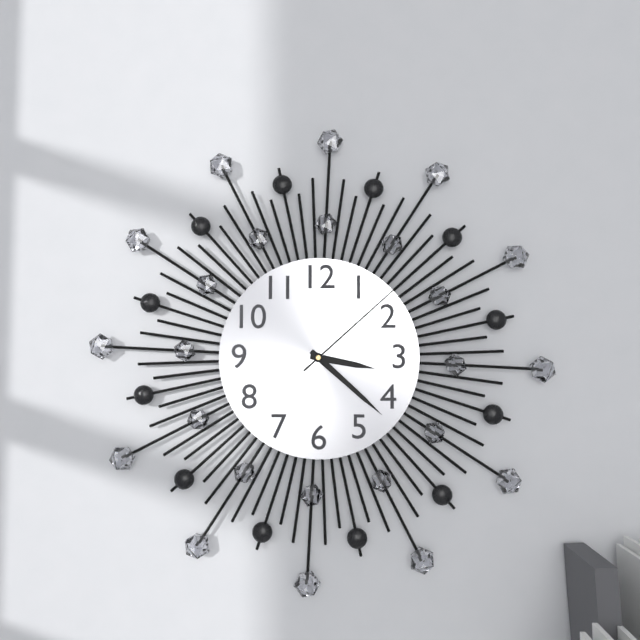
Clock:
3:22:08
